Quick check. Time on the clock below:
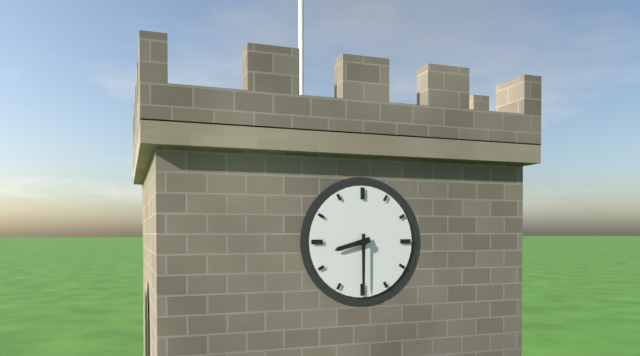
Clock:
8:30
